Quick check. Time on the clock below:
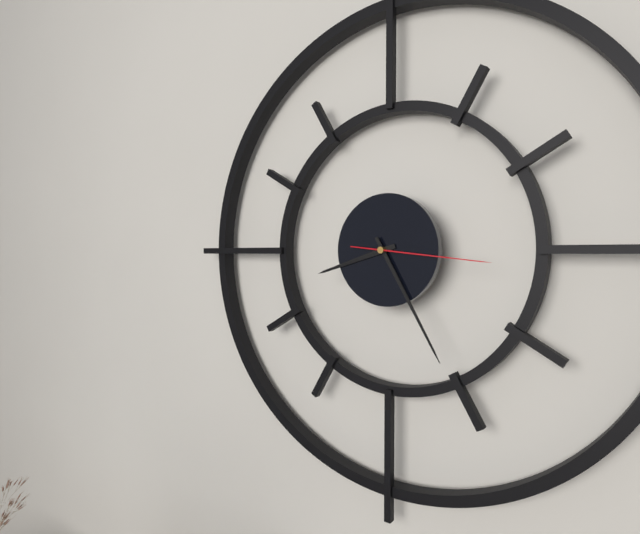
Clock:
8:25:16
